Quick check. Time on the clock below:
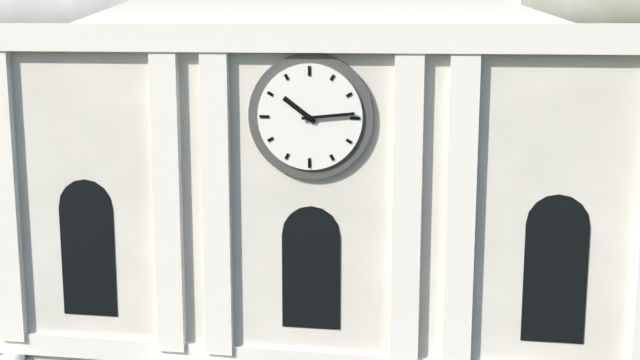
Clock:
10:14
